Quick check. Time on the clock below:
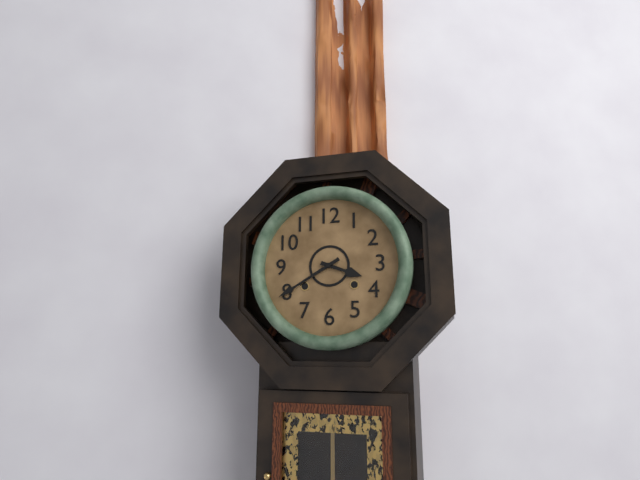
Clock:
3:40
